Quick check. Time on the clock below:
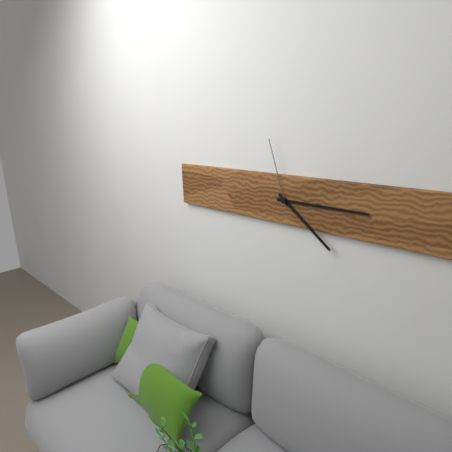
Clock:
4:15:57
